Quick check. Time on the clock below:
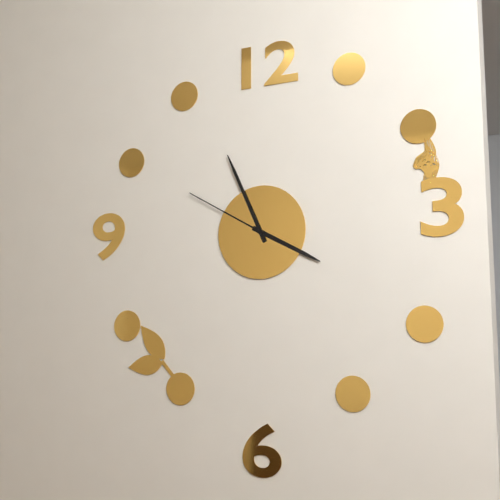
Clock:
3:56:50
